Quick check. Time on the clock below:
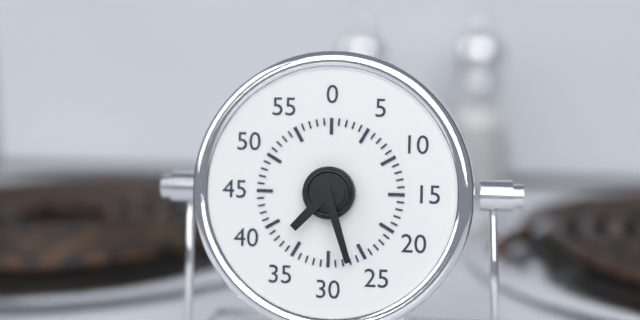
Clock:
7:27
